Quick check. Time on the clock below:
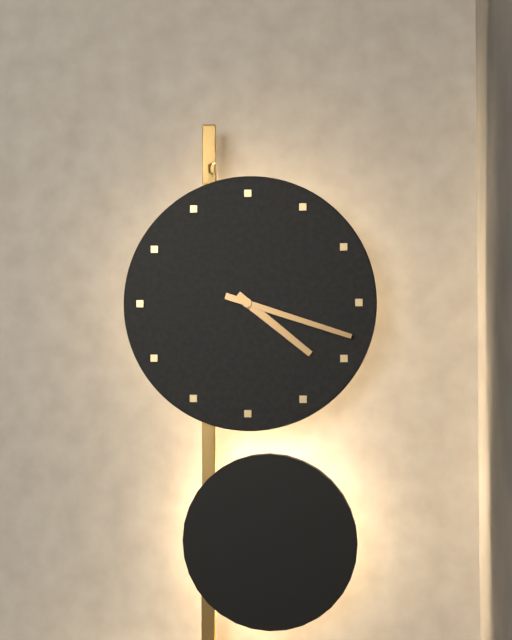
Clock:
4:18
